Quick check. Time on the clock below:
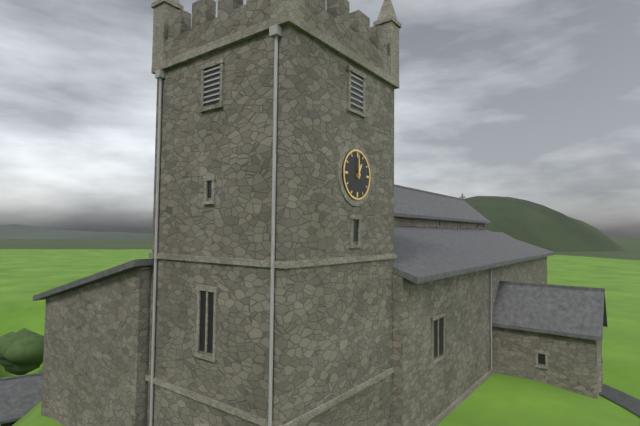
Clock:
1:00
